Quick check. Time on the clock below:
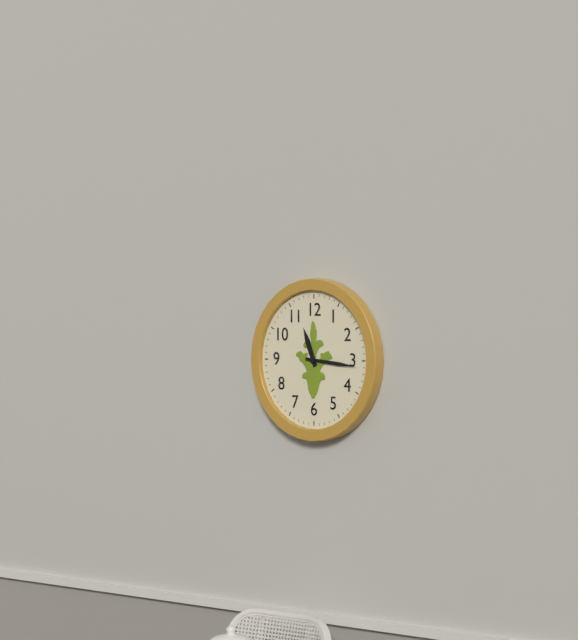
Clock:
11:16
